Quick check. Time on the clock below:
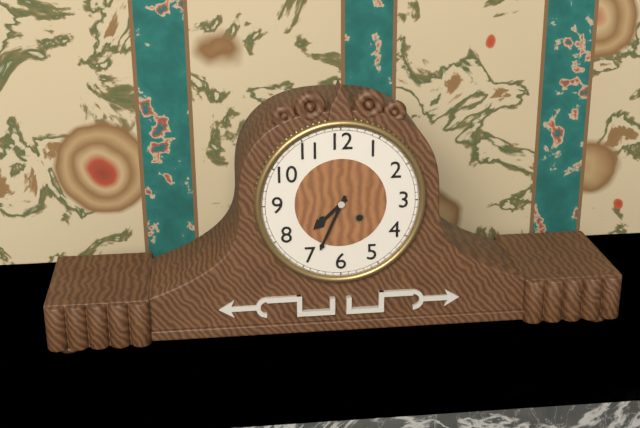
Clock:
7:34
